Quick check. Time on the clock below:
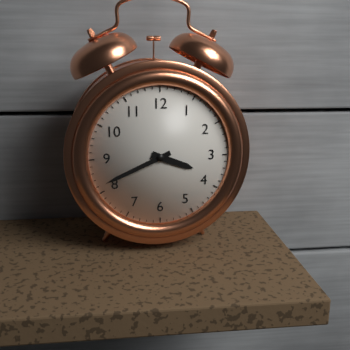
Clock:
3:41
